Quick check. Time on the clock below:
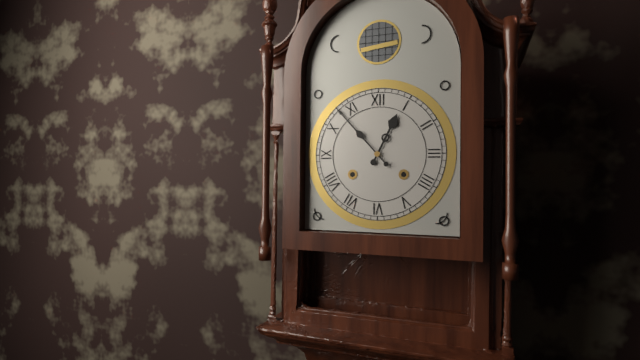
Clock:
12:53
